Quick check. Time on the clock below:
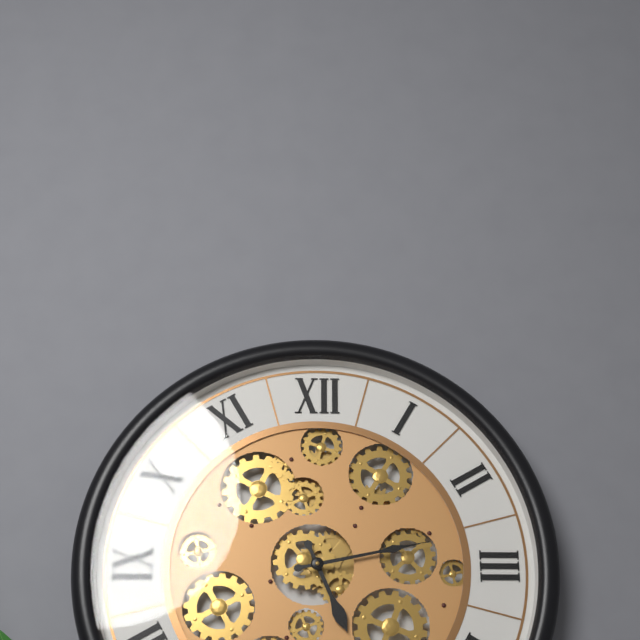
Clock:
5:13
